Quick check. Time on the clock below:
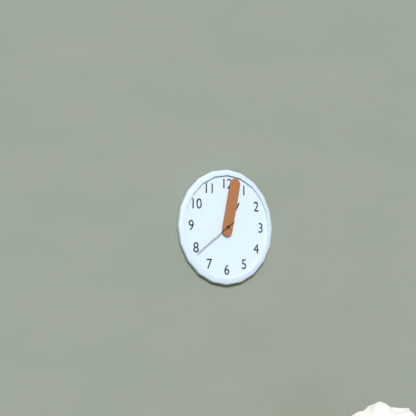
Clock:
1:02:39
